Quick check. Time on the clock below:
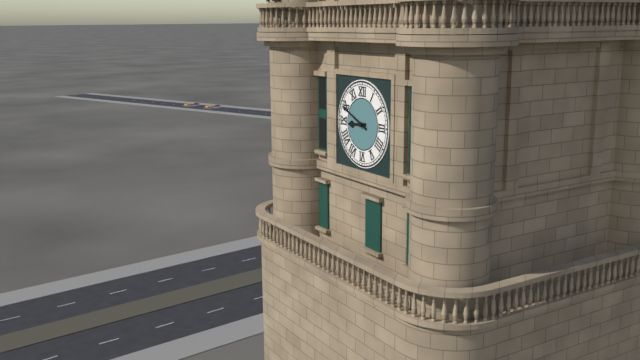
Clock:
8:49
